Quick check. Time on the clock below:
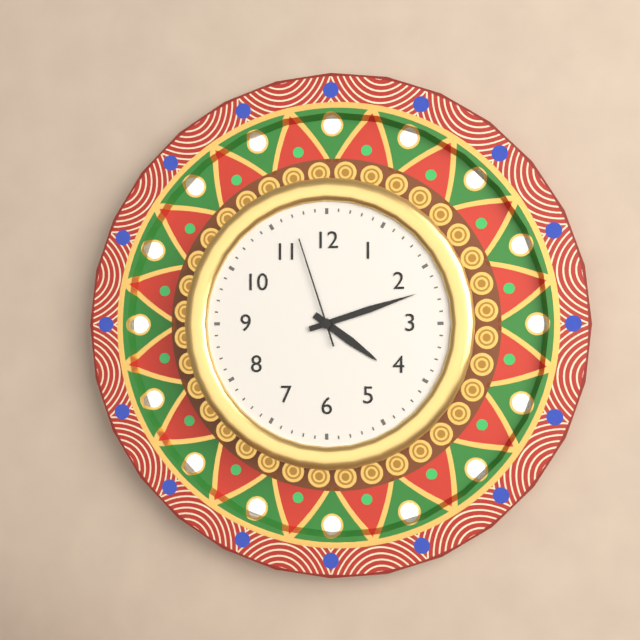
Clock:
4:12:57
